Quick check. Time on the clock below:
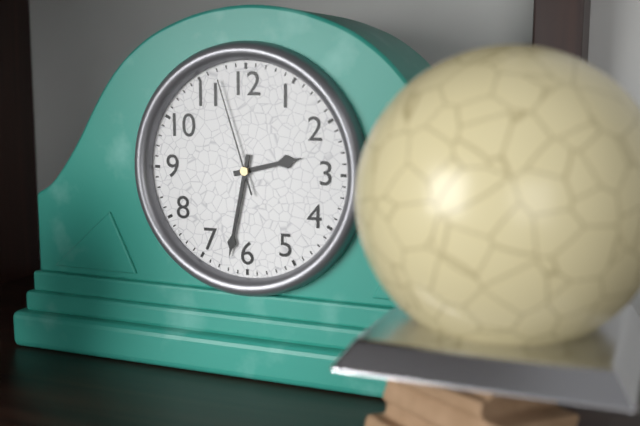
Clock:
2:32:57
